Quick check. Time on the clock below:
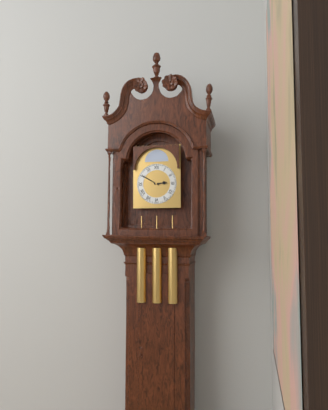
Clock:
2:50
